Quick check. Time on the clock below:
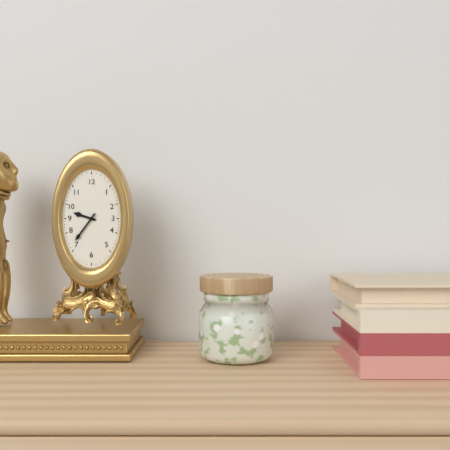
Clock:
9:36
